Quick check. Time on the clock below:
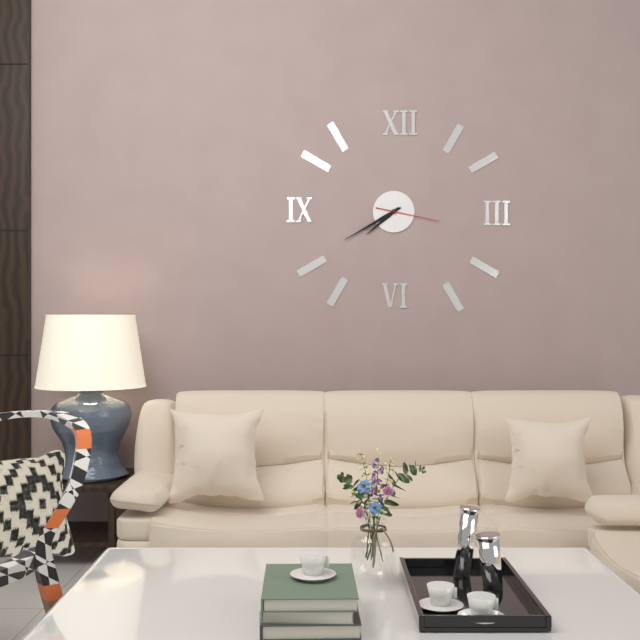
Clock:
7:40:17
